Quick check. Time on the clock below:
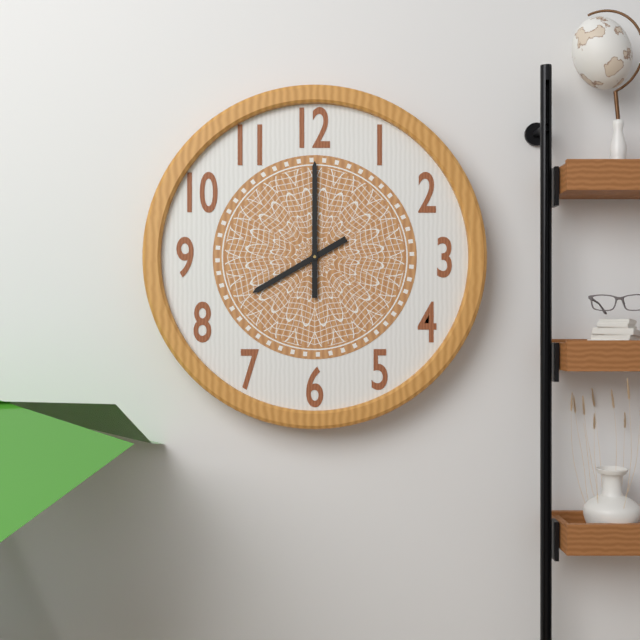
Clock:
8:00
